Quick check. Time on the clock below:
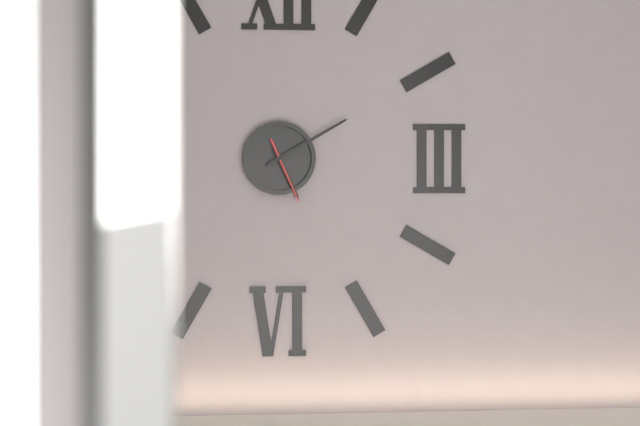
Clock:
5:10:26
